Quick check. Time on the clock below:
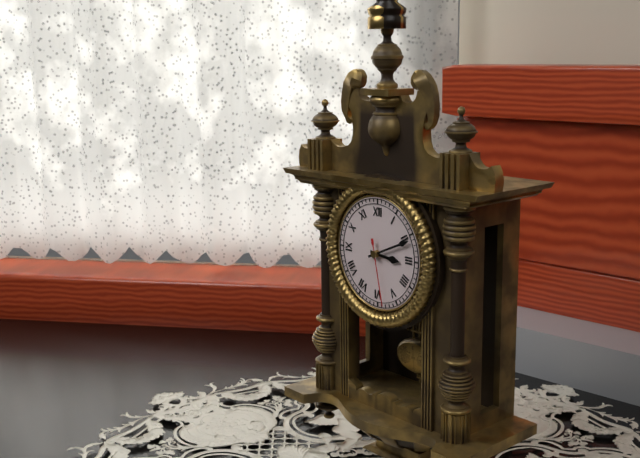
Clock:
3:11:28
